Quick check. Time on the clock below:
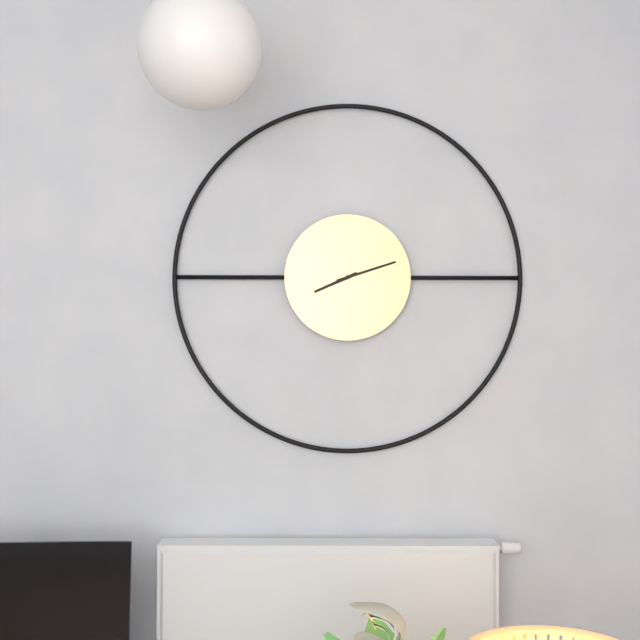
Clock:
8:12
